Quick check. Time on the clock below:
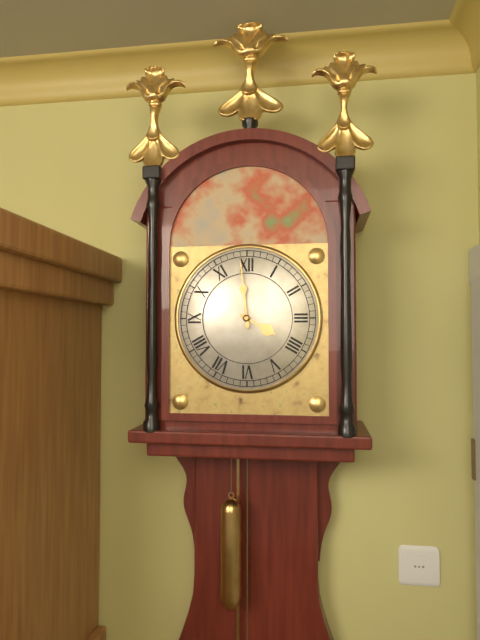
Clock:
3:59
